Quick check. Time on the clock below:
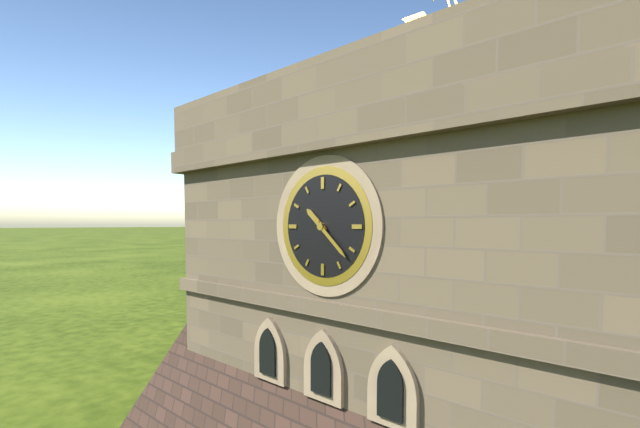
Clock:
10:22
